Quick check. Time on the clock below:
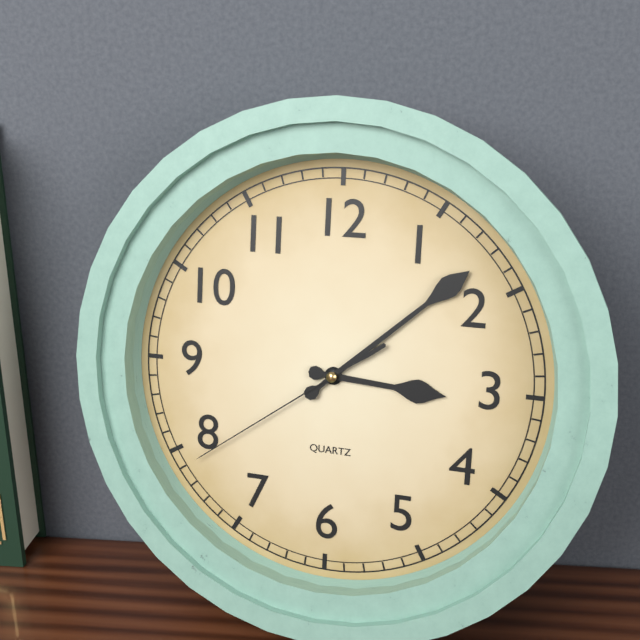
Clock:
3:08:39
